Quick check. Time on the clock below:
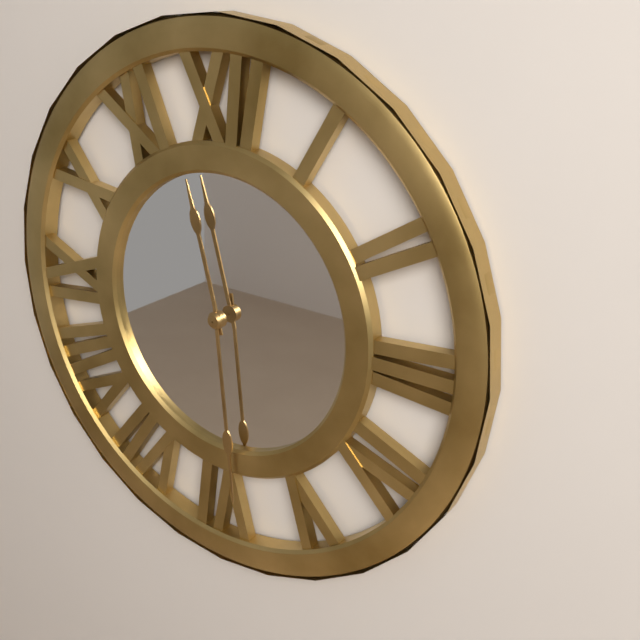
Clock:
11:29
